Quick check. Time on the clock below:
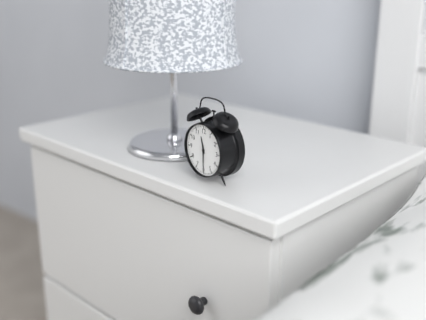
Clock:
11:30
